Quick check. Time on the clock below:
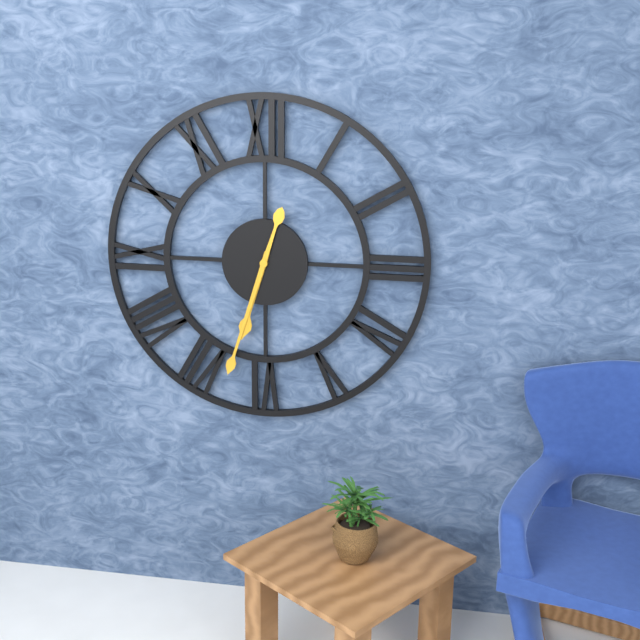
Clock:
6:33
